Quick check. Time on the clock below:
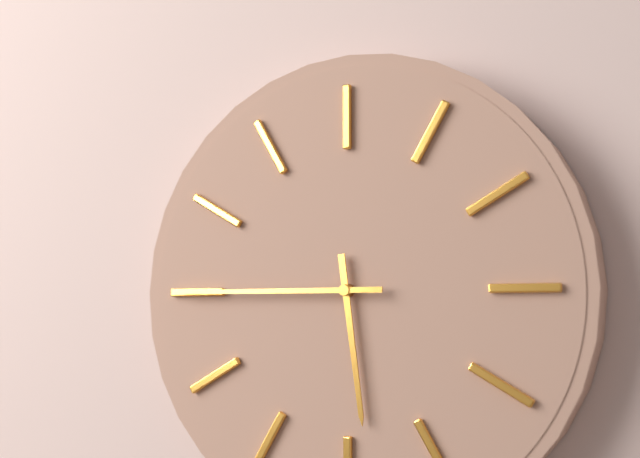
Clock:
5:45
